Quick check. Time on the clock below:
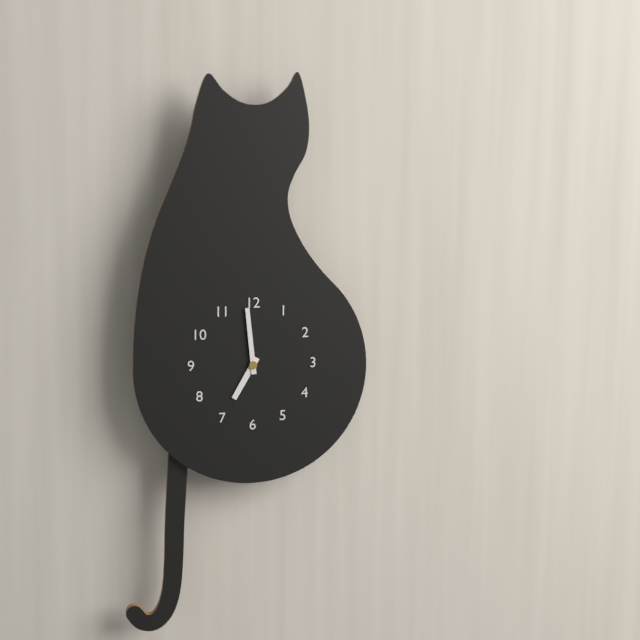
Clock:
6:59
